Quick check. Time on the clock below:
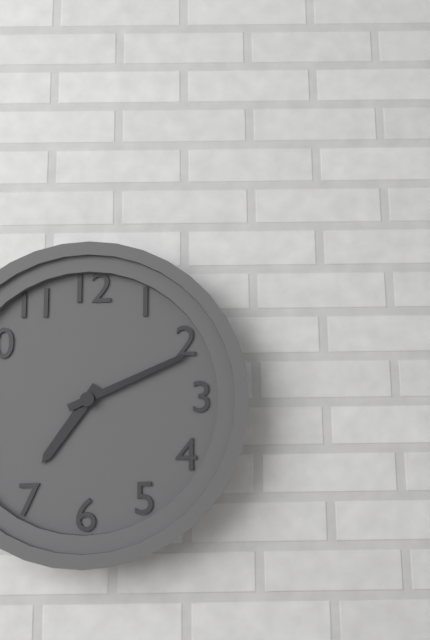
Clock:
7:11
